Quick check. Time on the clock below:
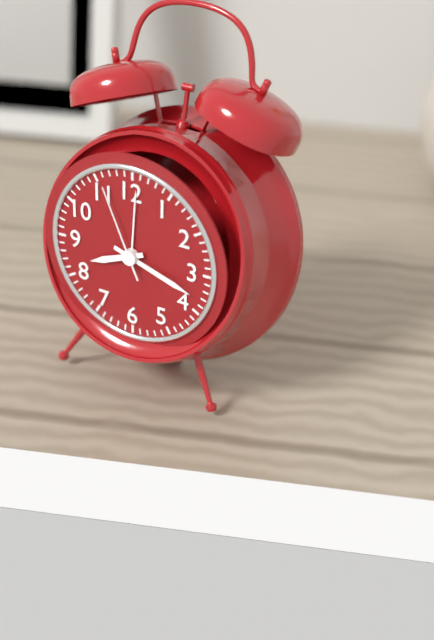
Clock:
8:18:56
